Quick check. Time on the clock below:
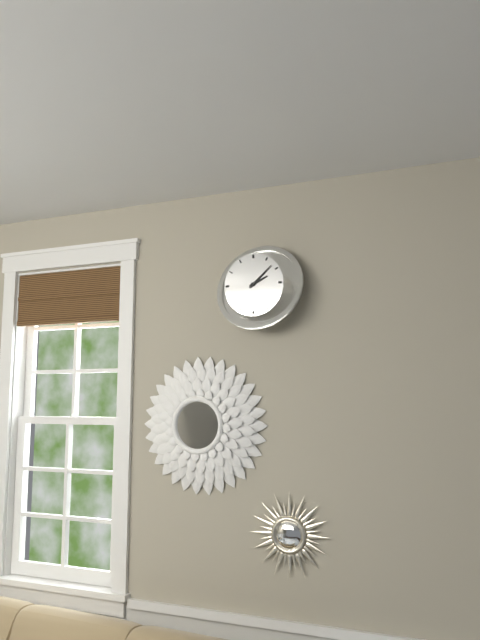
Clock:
2:08
